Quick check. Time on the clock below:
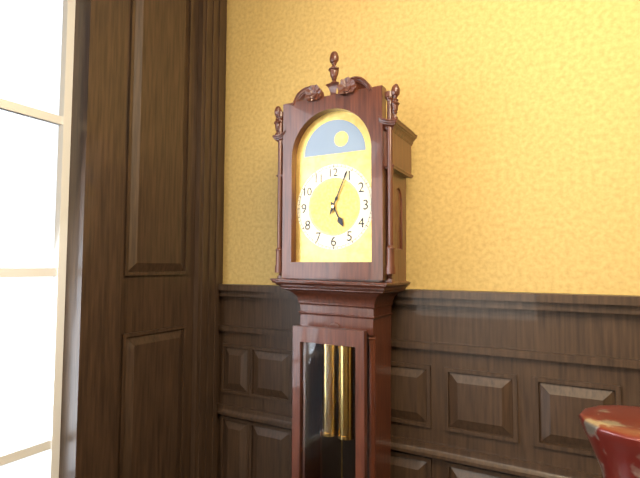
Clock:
5:04
